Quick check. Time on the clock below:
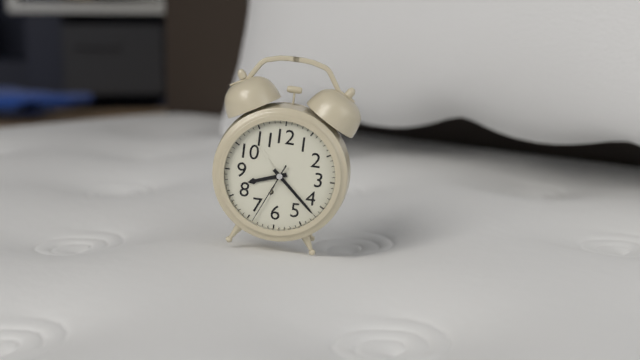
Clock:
8:22:34
